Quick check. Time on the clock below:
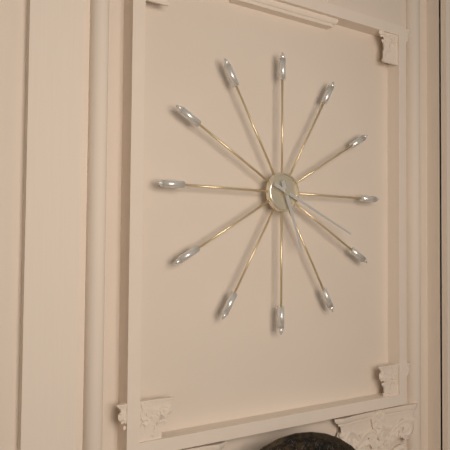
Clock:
5:19
